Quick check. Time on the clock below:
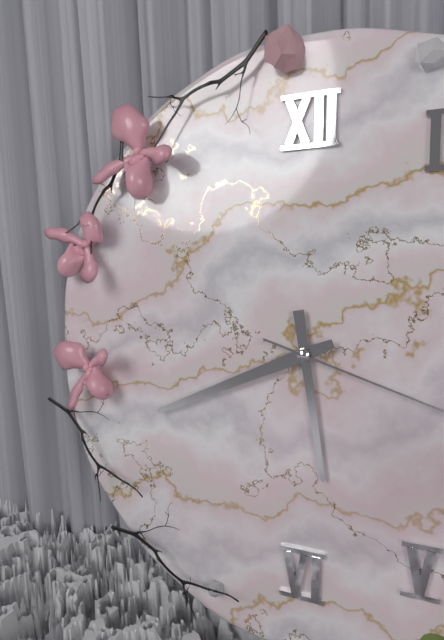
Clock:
5:41
